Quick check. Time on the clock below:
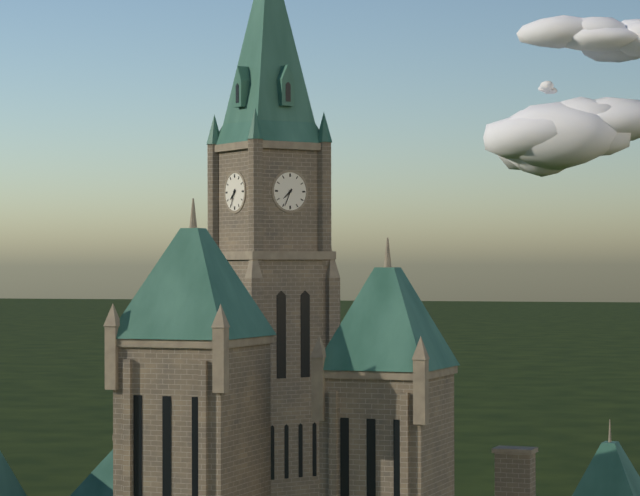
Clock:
7:34
